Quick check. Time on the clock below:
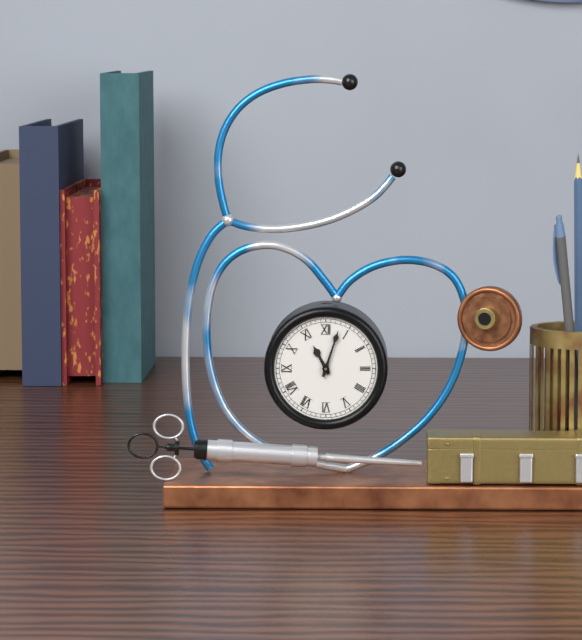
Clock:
11:03
